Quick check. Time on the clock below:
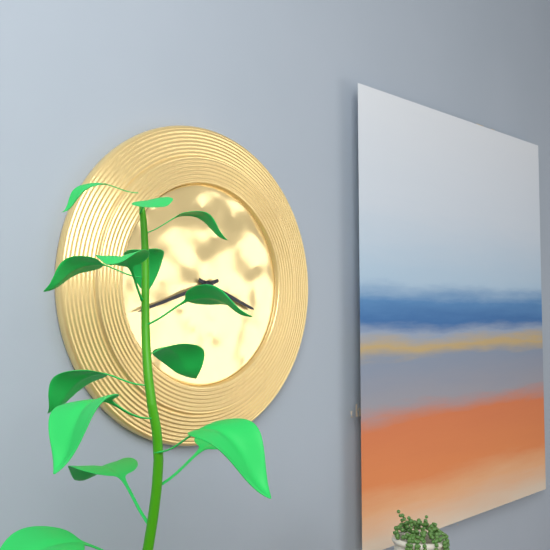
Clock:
3:42
